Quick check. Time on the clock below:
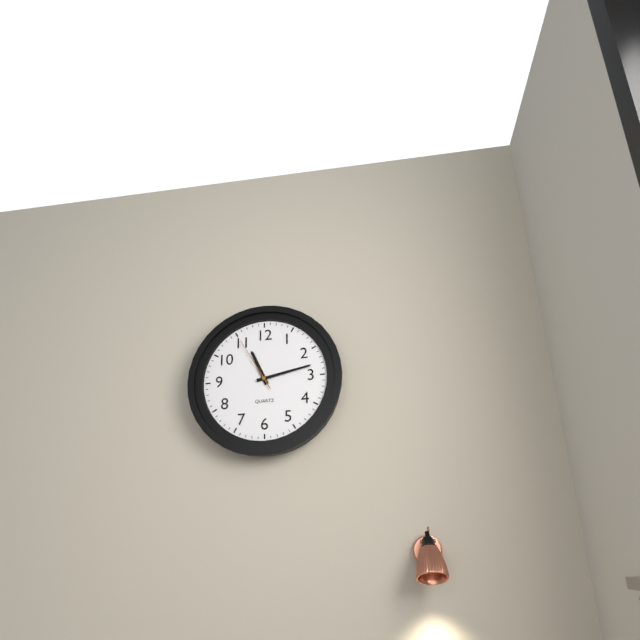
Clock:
11:13:55
